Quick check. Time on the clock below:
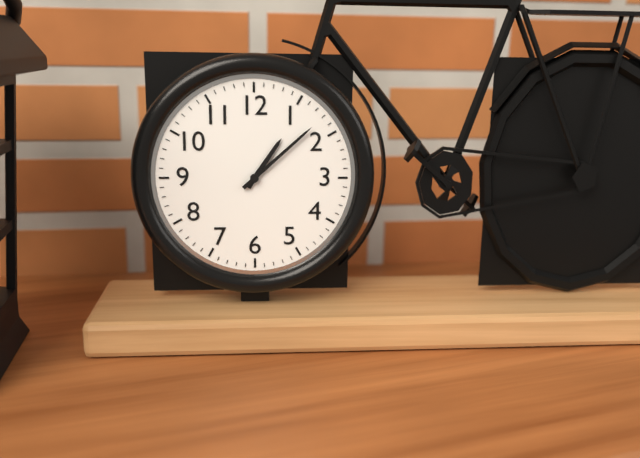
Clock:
1:08
